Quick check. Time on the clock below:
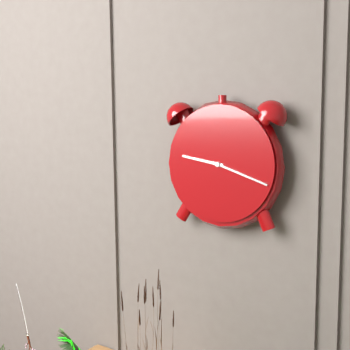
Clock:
9:18
